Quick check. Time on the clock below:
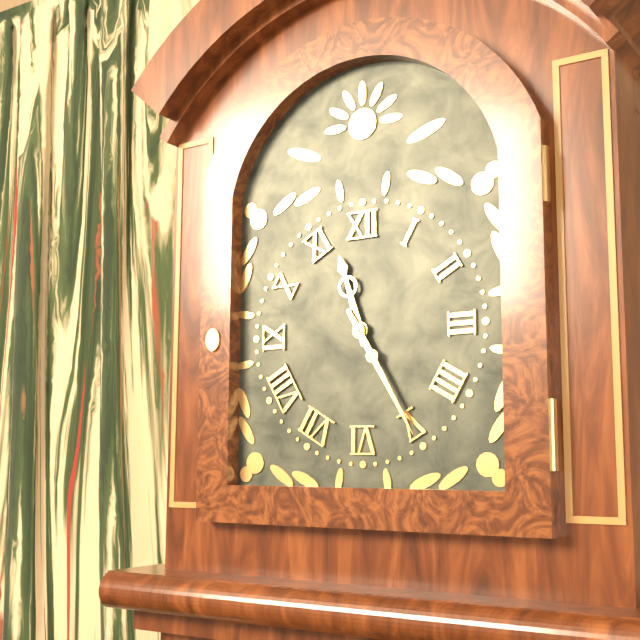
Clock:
11:25
